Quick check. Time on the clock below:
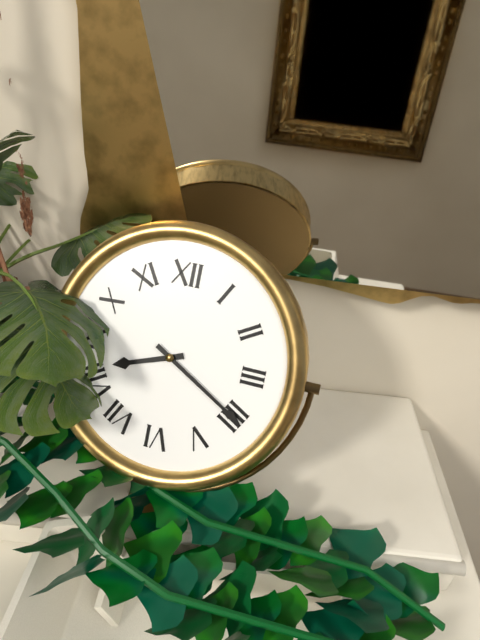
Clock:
8:20
